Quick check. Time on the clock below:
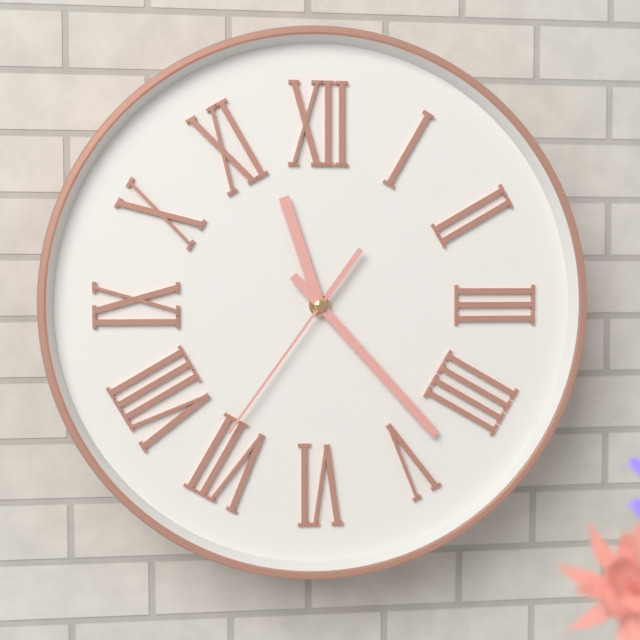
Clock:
11:23:36
